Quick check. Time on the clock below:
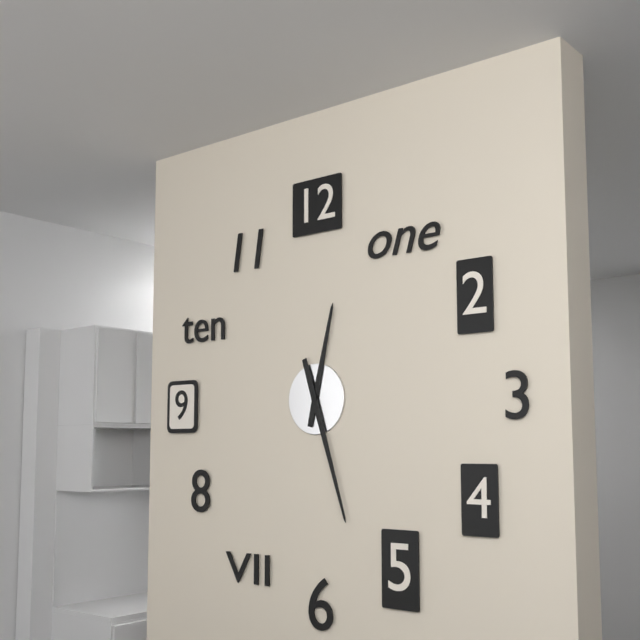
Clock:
12:27
